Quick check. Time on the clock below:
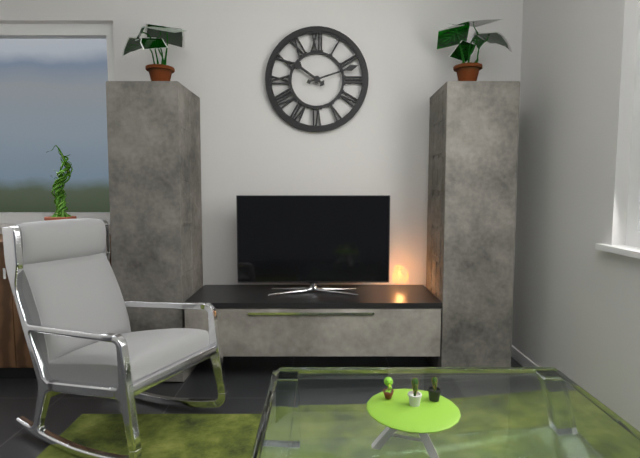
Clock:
10:12
